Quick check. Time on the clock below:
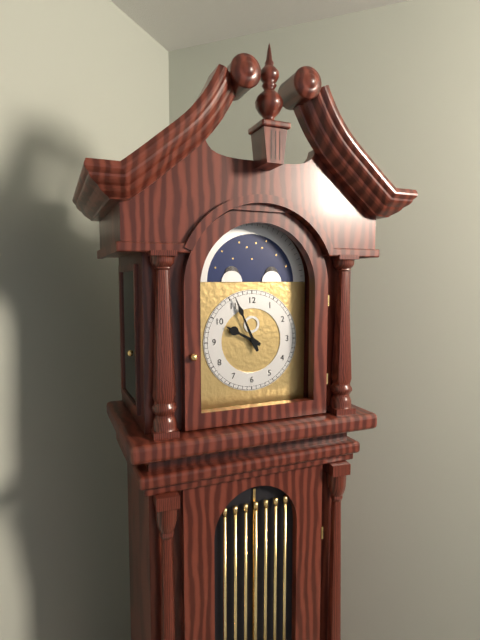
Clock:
9:56
